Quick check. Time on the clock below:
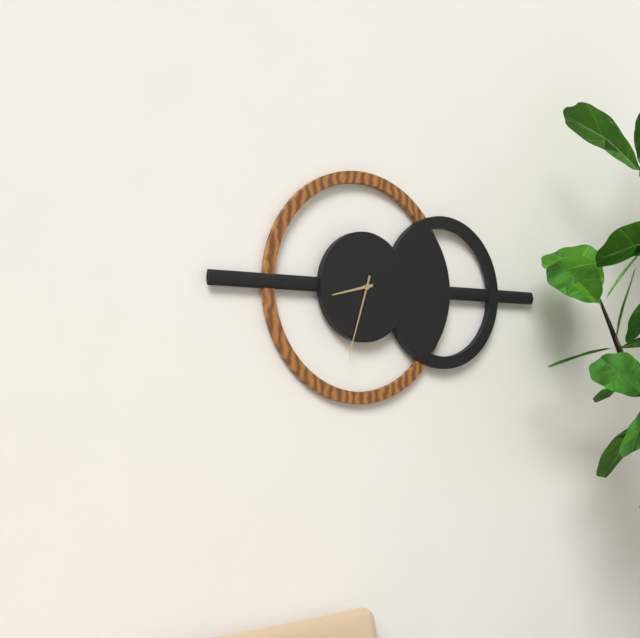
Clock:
8:33
